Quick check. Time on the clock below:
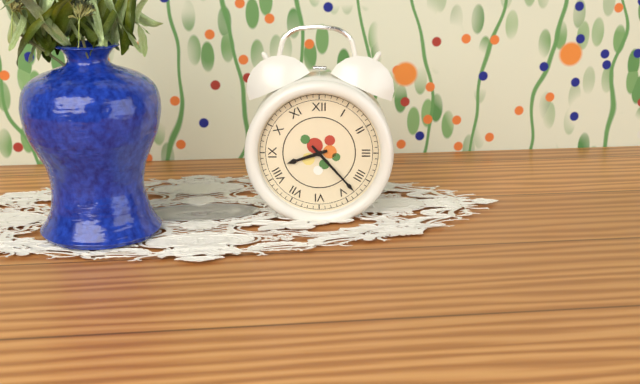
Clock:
8:23
